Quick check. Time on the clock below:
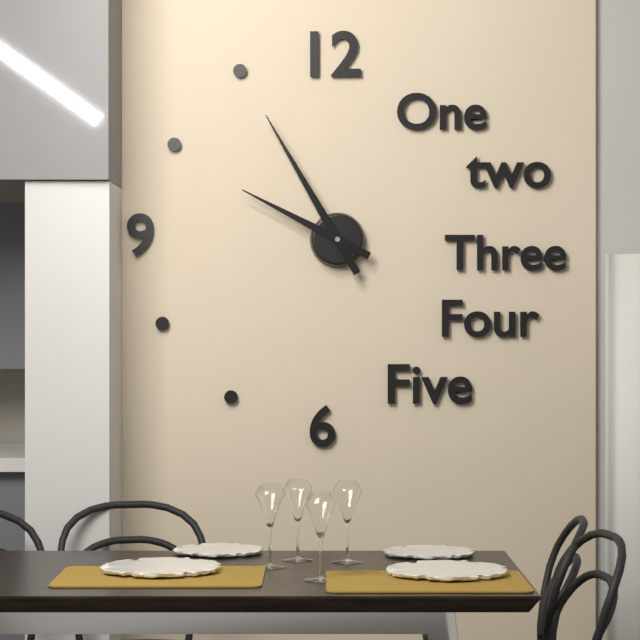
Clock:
9:55
